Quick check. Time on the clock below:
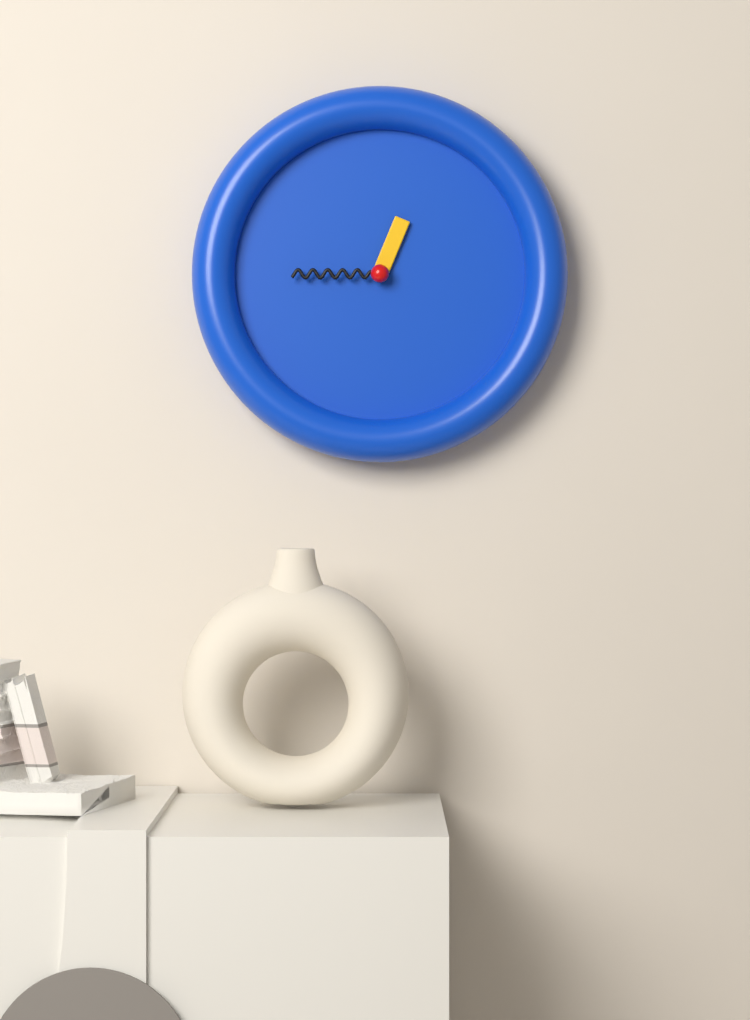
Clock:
12:45
